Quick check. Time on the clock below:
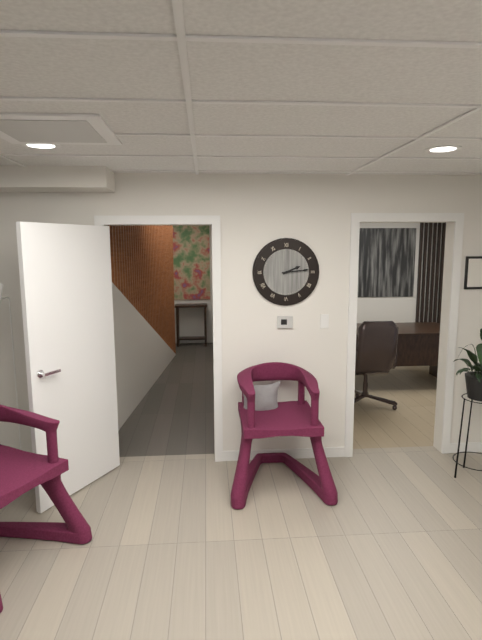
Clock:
2:14
